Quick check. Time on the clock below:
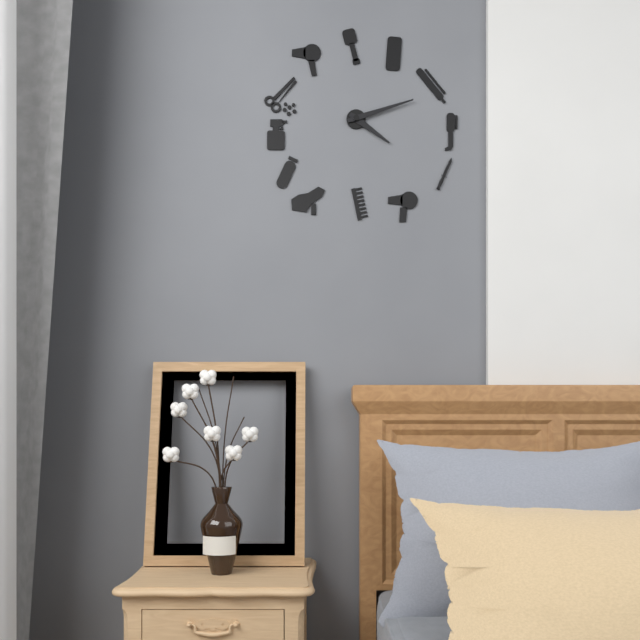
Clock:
4:12
